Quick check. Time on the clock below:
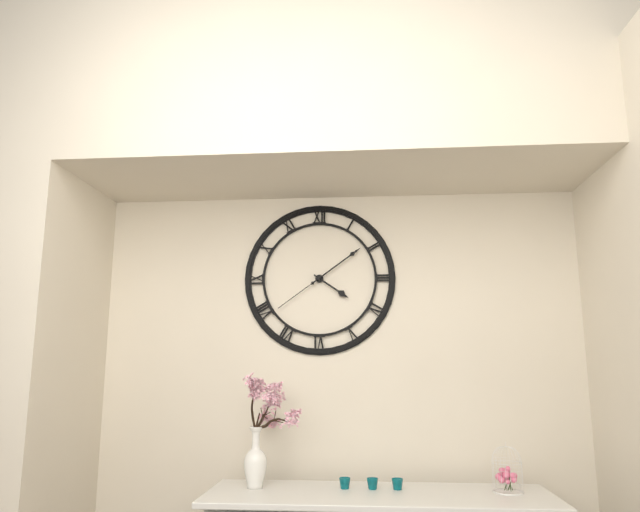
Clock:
4:09:39
